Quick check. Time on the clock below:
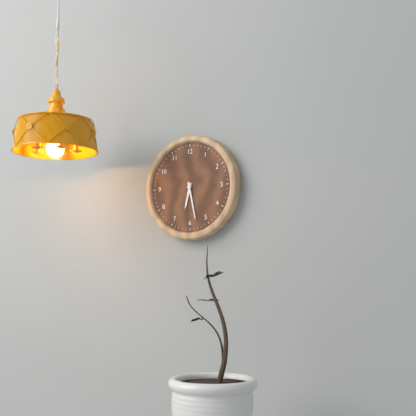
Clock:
6:28
